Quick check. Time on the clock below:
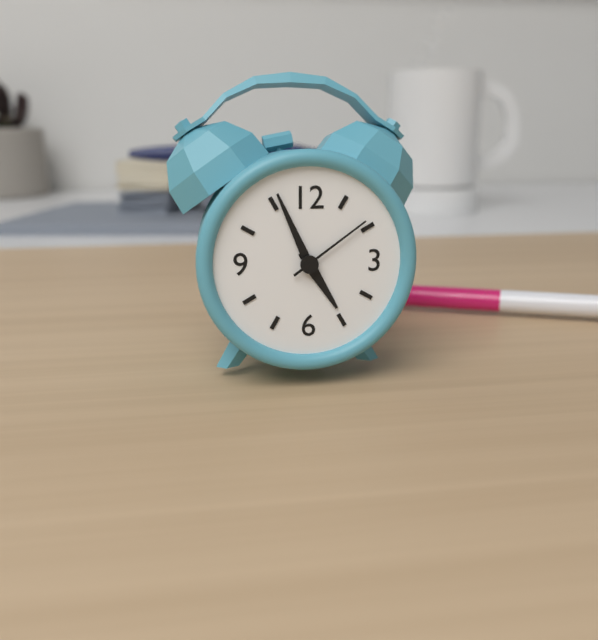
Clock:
4:56:09
